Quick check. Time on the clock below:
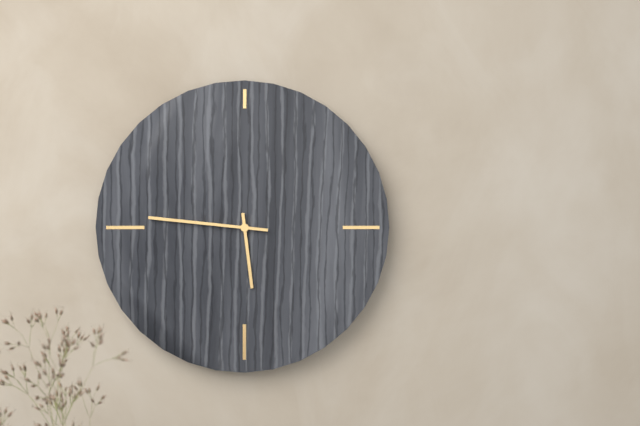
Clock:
5:46
